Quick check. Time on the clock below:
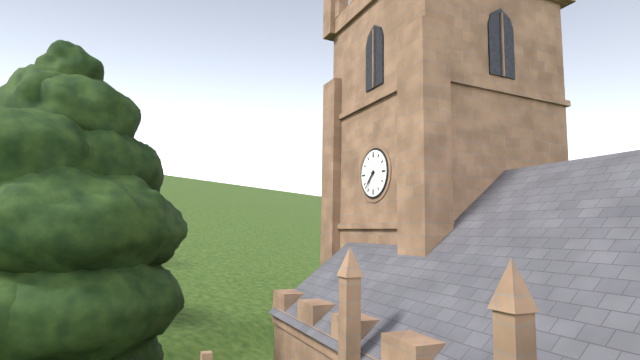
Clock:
7:37
